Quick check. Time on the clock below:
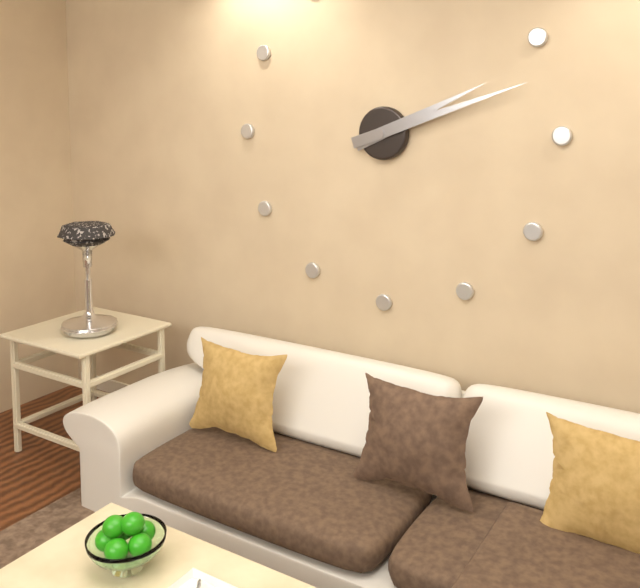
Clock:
2:12
